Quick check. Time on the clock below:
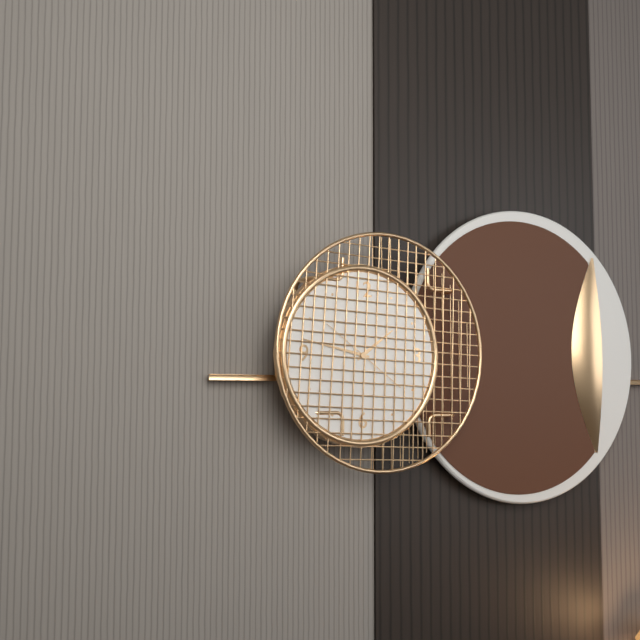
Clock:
1:47:21
